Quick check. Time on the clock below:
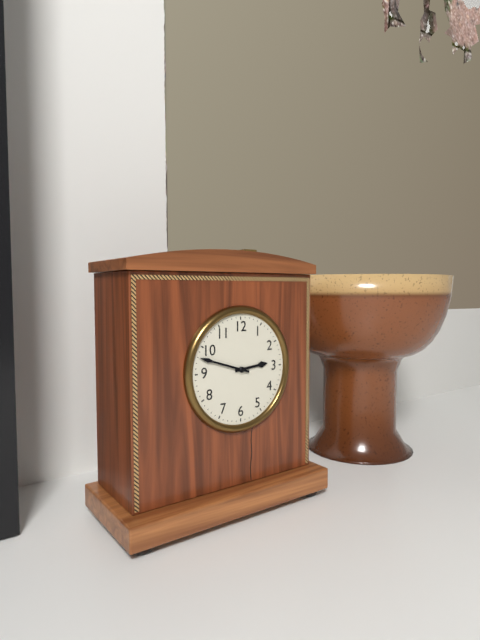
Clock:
2:48
